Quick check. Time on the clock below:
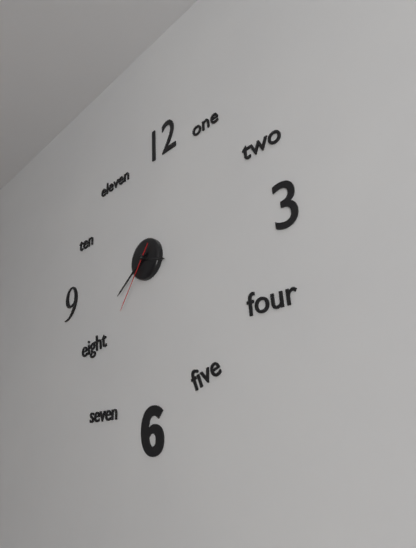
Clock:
3:39:36
